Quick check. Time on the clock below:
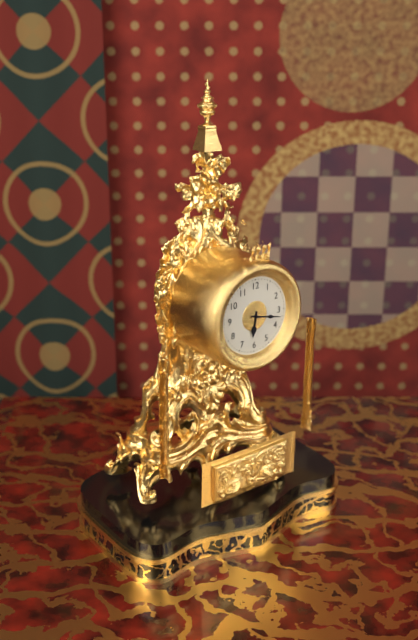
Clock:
6:17
